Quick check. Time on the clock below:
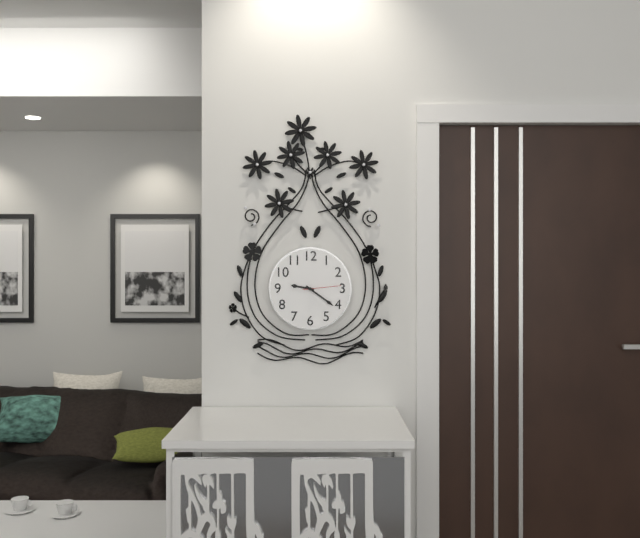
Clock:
9:21
